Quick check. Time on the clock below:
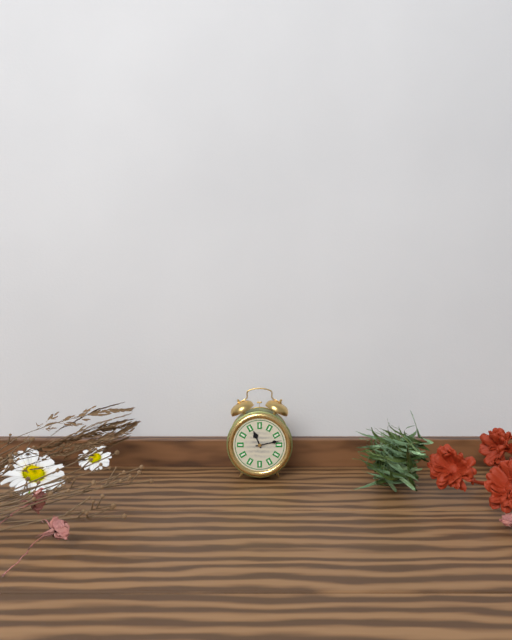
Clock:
11:13
